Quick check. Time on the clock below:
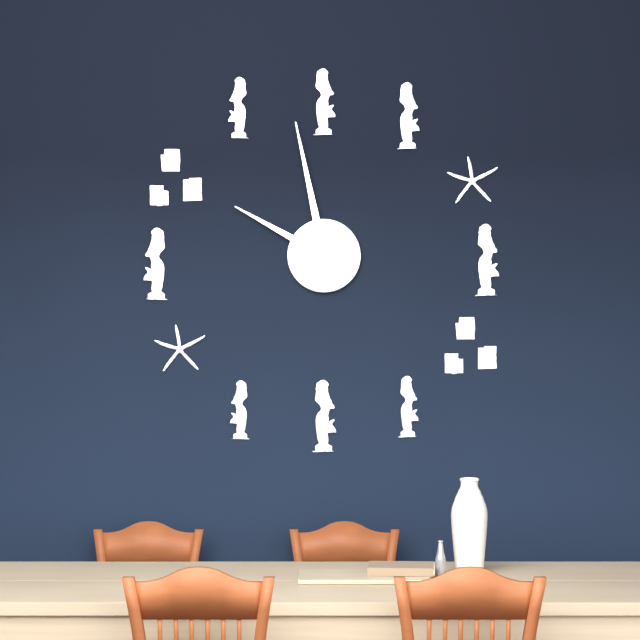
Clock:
9:58
